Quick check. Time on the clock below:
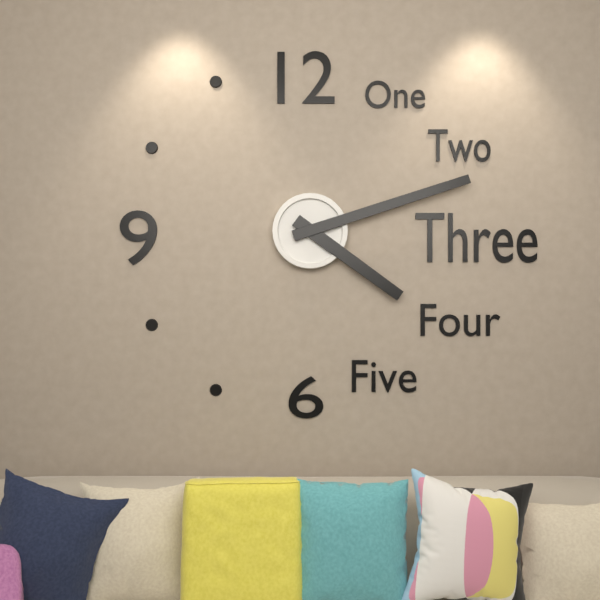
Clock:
4:12
